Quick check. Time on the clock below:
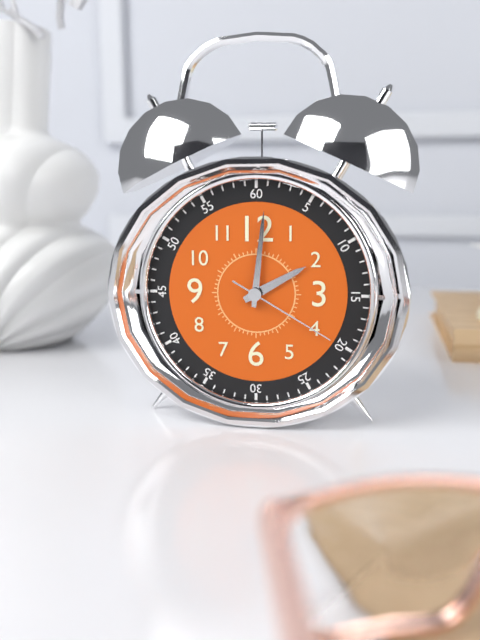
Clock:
2:01:20
